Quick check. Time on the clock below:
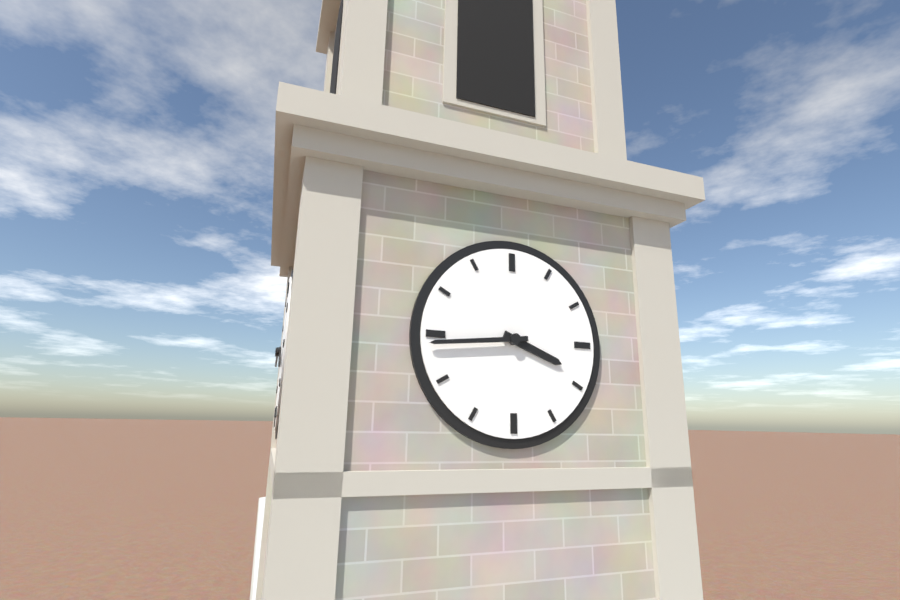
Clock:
3:44
